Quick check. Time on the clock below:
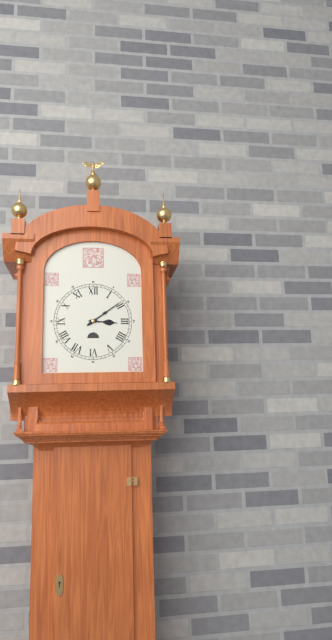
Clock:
3:09
